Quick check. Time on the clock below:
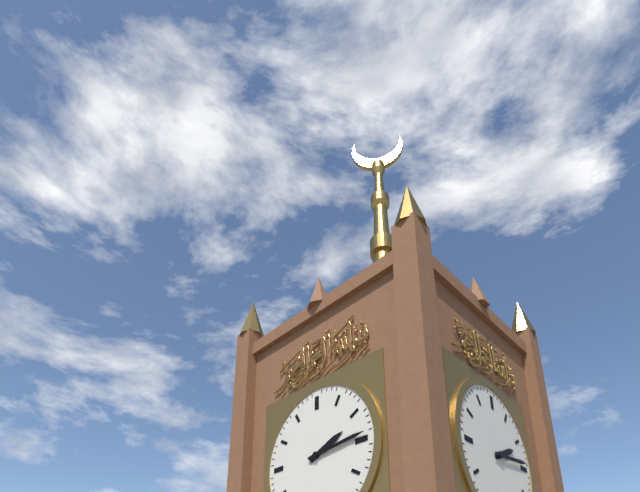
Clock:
2:14
